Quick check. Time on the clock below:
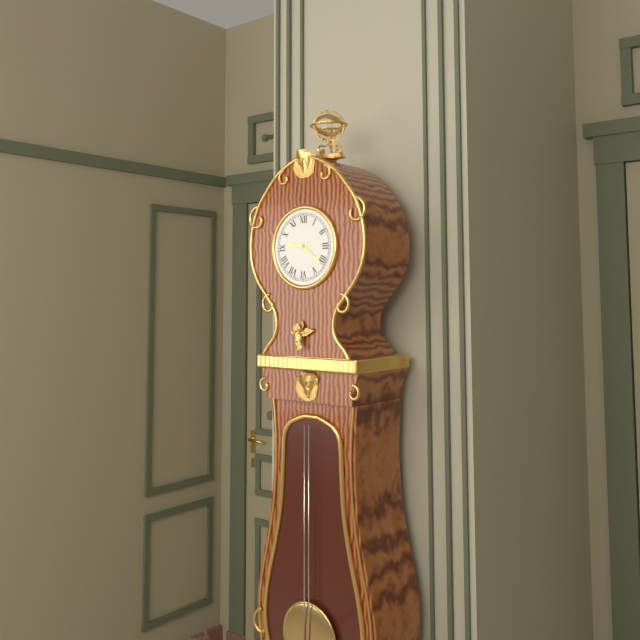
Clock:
9:21
